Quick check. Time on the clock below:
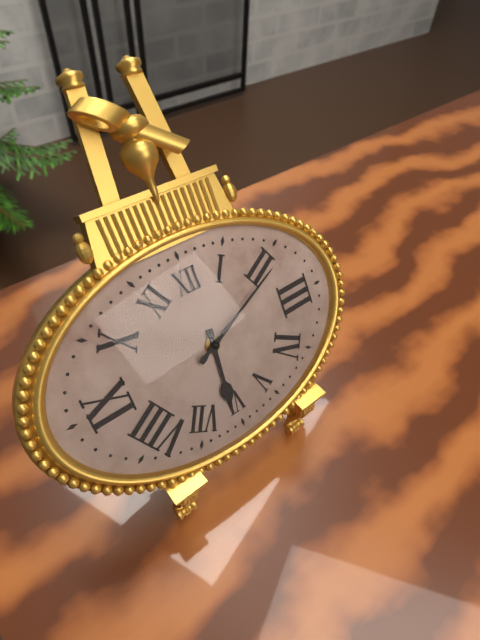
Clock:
6:11
